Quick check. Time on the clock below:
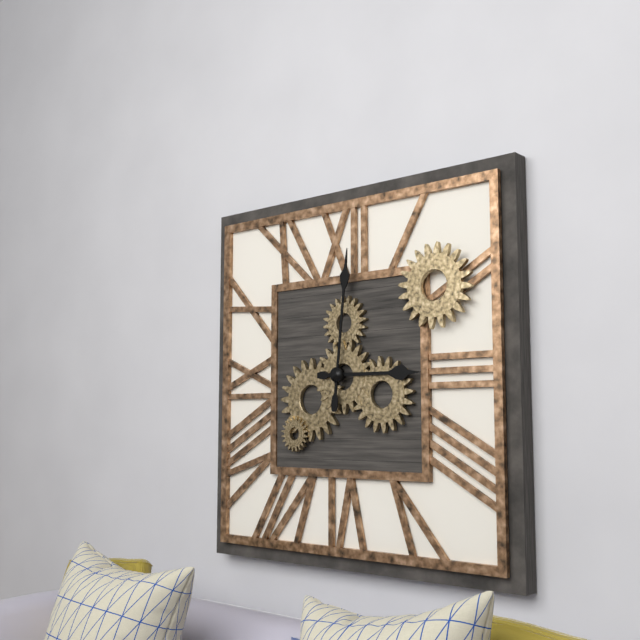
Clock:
3:01
